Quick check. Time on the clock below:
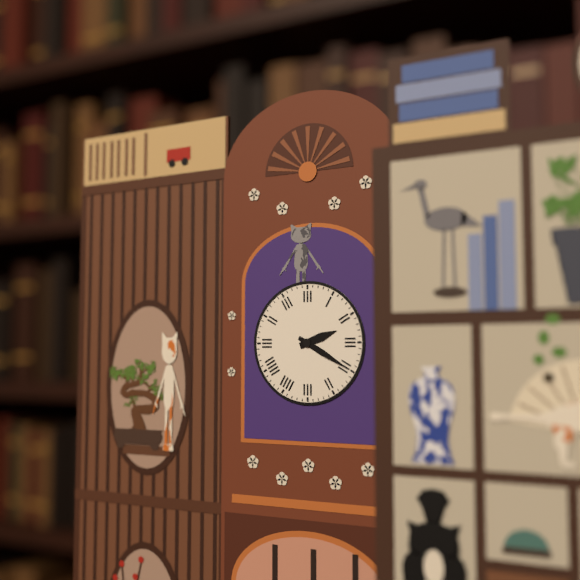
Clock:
2:20
